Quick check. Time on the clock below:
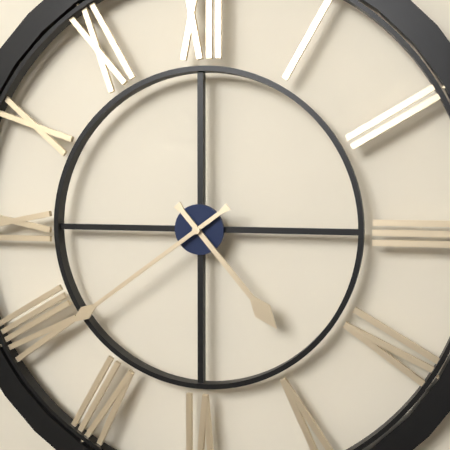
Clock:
4:39
